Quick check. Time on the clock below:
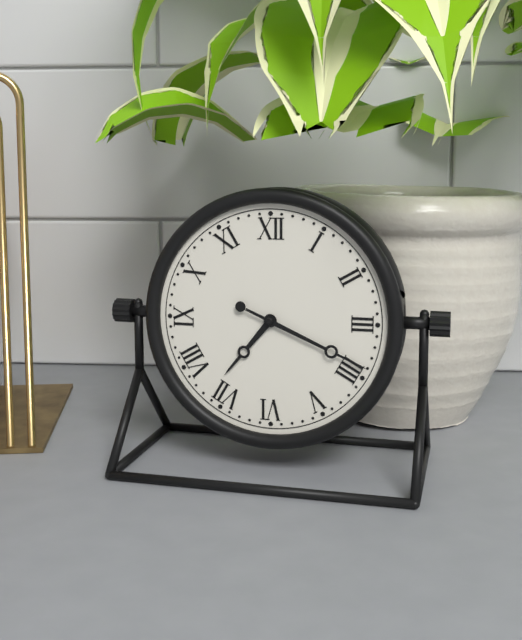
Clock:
7:19
